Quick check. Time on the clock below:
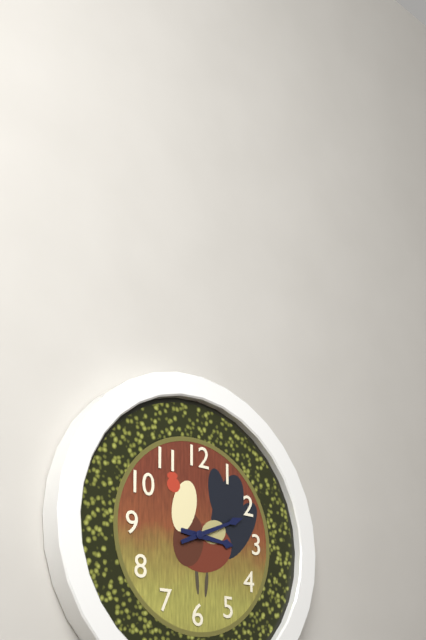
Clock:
3:11
